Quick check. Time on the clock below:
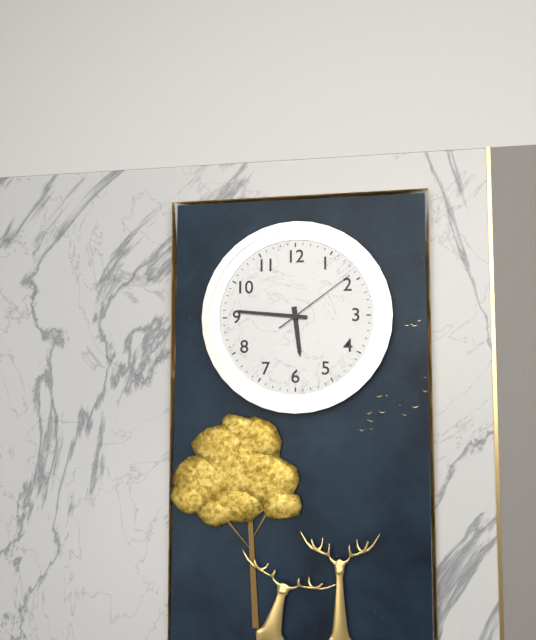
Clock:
5:46:09
